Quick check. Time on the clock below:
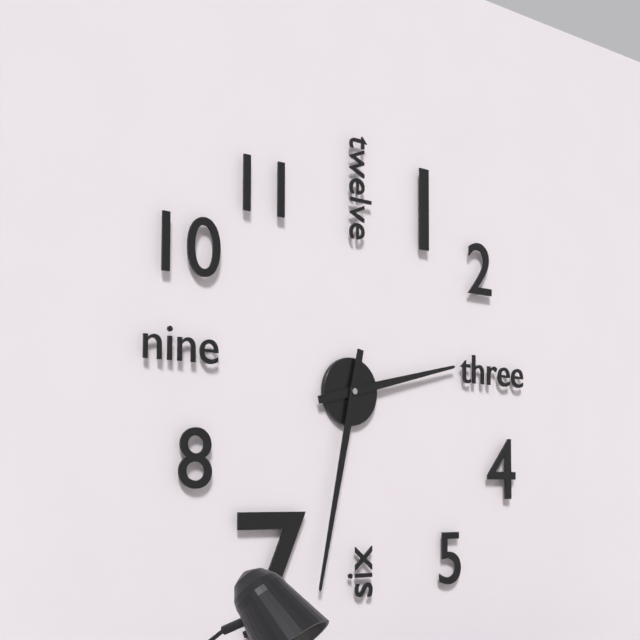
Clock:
2:32
